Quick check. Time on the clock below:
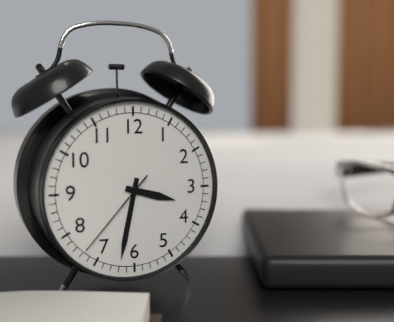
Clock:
3:32:37
